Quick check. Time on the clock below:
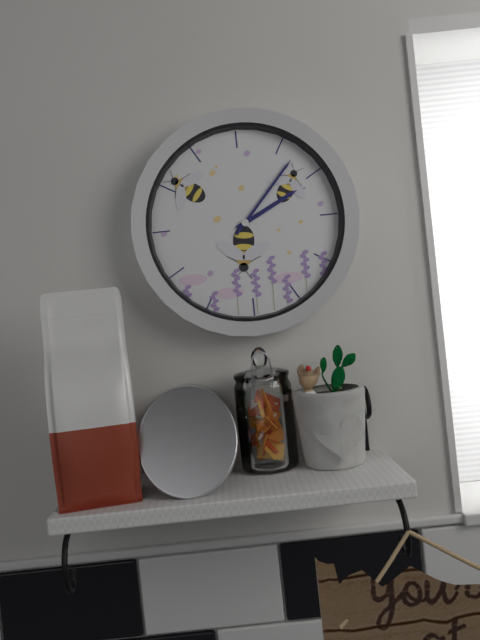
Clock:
2:07
